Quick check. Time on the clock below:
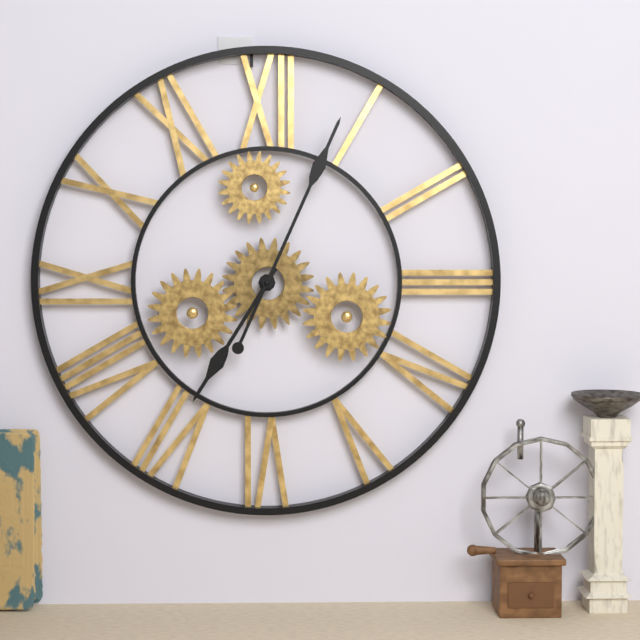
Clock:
7:04
